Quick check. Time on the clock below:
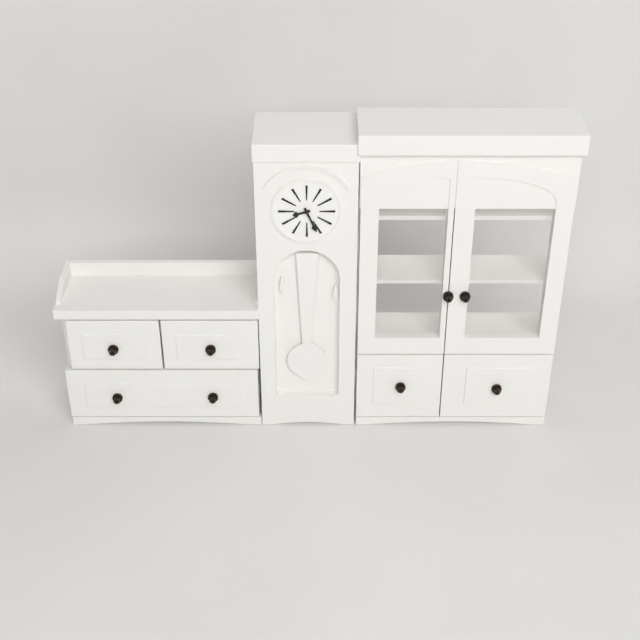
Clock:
8:26
